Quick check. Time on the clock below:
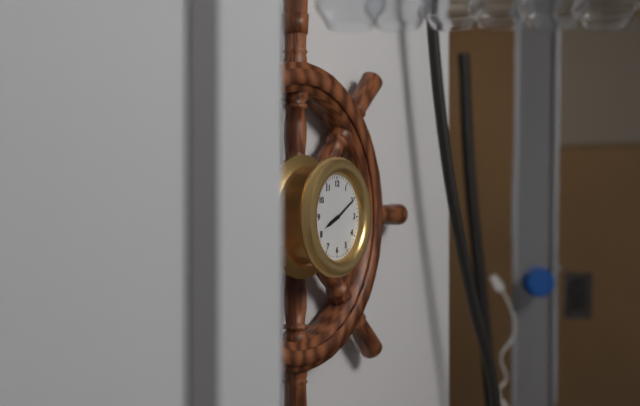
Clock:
8:10
